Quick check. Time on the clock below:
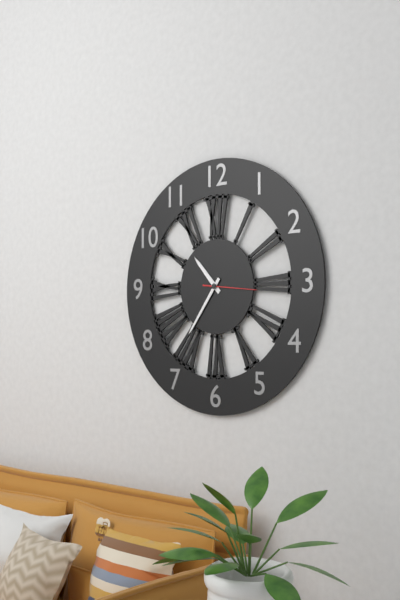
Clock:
10:36:16
